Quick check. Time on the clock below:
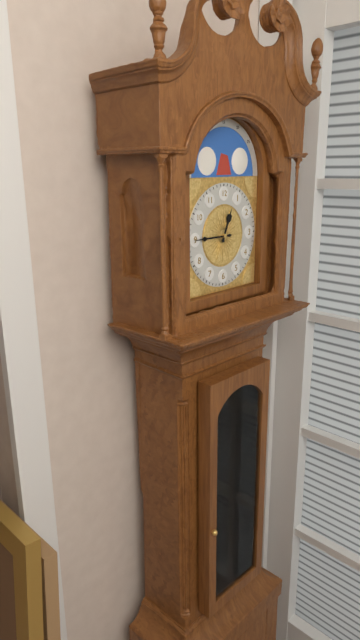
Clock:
12:45
